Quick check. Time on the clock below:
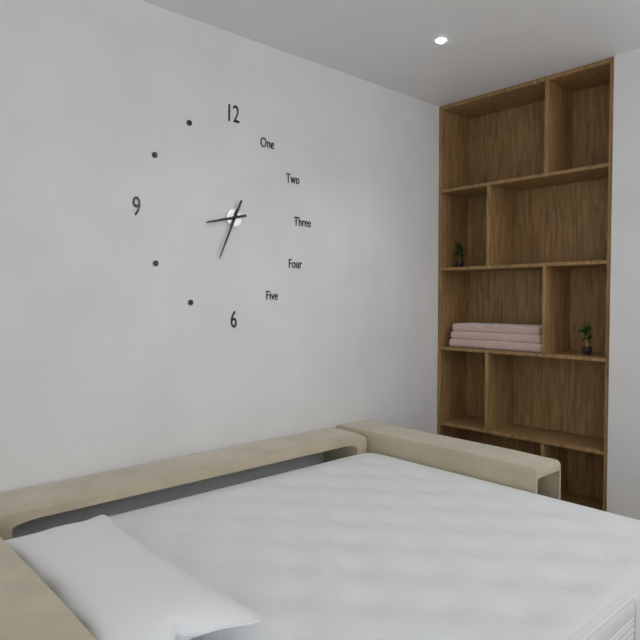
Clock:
8:34
